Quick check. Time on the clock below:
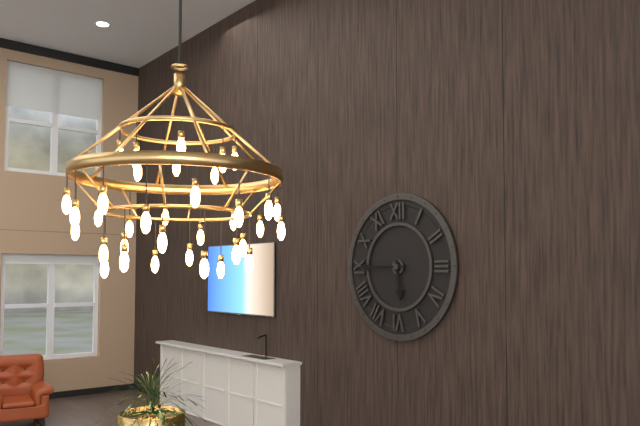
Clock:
5:45
